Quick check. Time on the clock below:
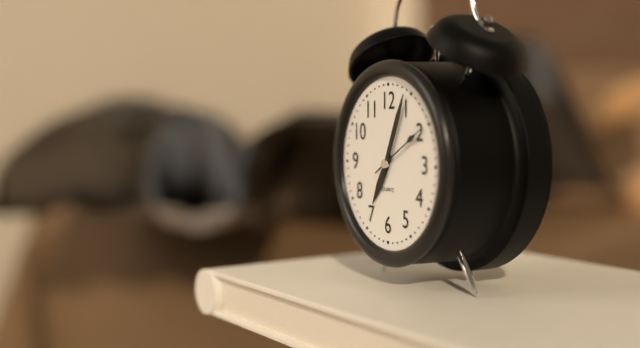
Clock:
7:04:10
